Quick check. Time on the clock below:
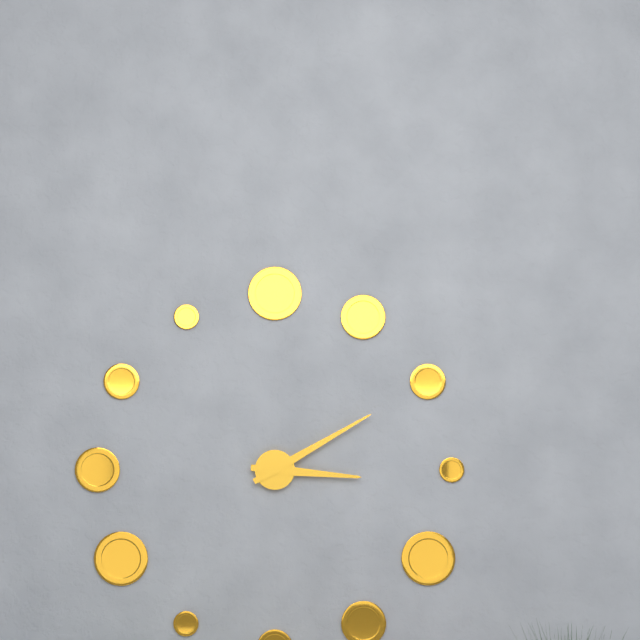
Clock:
3:10
